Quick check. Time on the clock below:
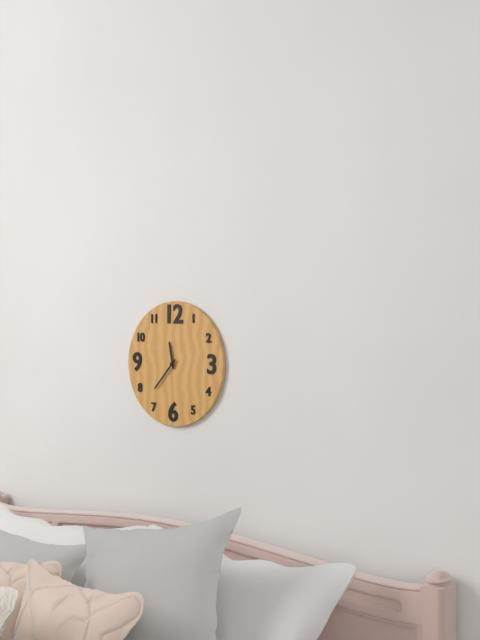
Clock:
11:37
